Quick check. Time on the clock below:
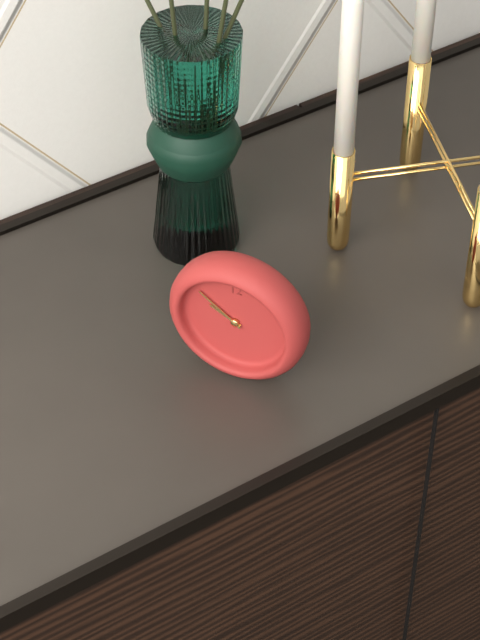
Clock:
9:51
